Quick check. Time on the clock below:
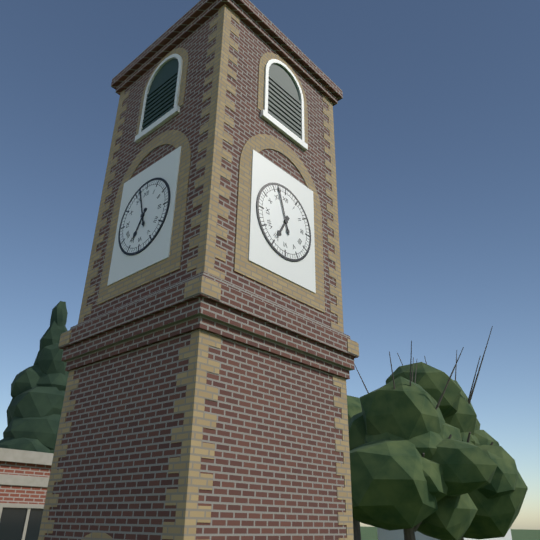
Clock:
6:57
